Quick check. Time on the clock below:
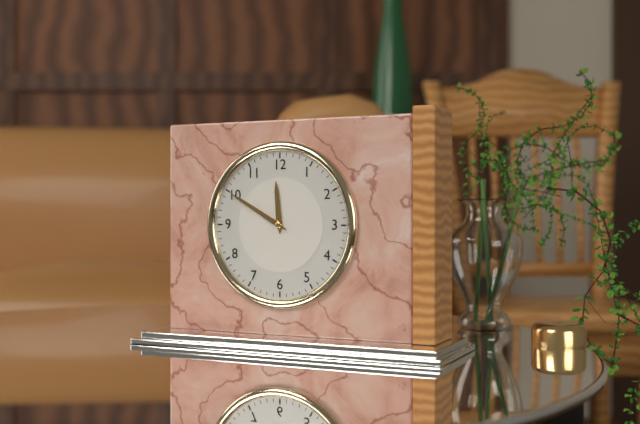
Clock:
11:50
